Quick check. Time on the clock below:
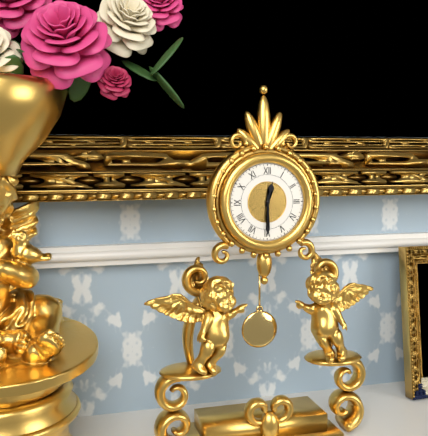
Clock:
12:30
